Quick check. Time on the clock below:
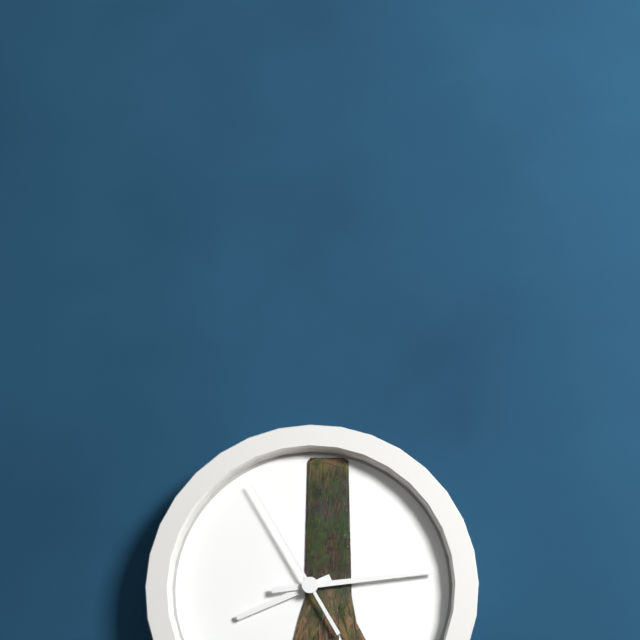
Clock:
8:14:55
